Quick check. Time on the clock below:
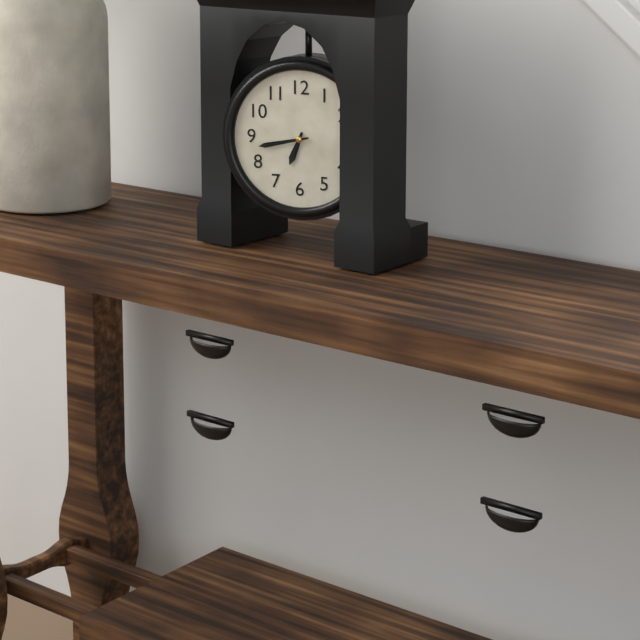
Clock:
6:43
